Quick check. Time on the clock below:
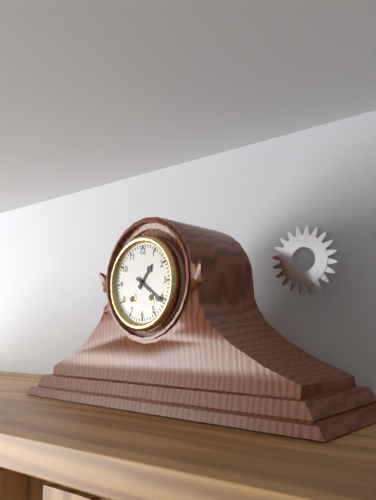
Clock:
1:21
